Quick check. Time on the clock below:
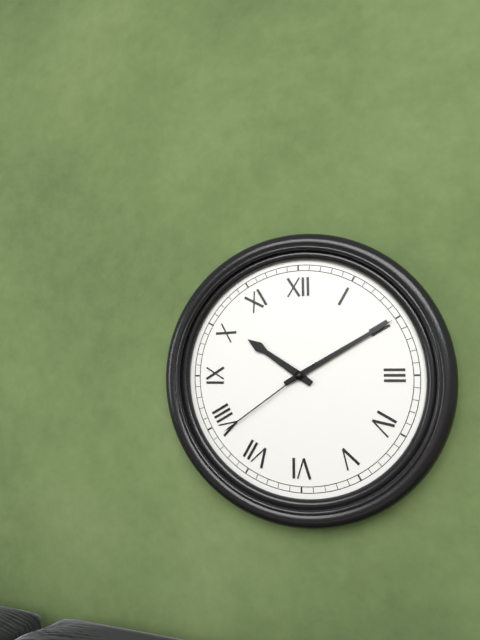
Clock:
10:10:39
